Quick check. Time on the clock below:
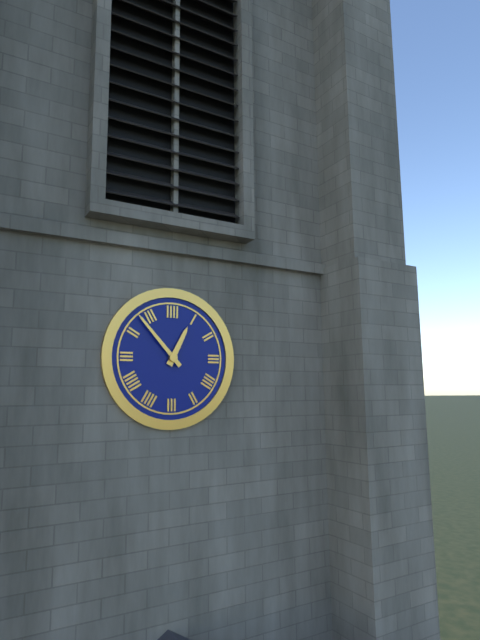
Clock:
12:53
